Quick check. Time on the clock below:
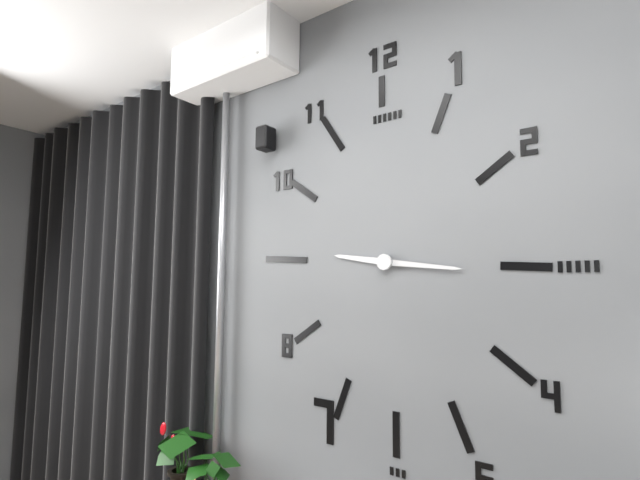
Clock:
9:16
